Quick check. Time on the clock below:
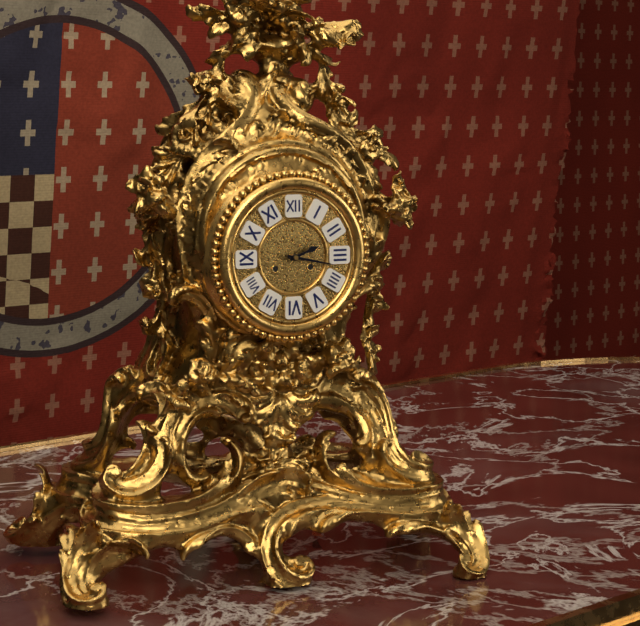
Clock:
2:17
